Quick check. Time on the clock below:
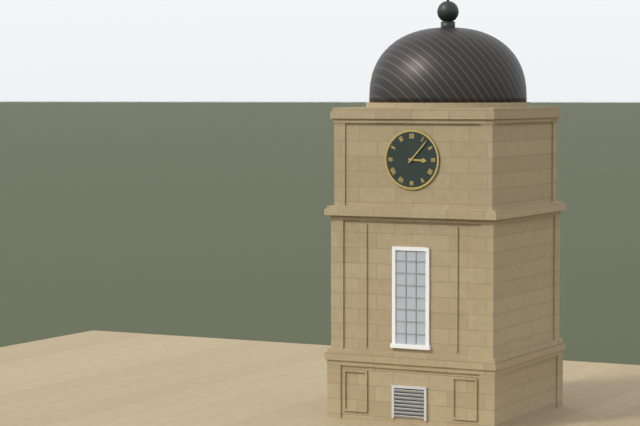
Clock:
3:07
